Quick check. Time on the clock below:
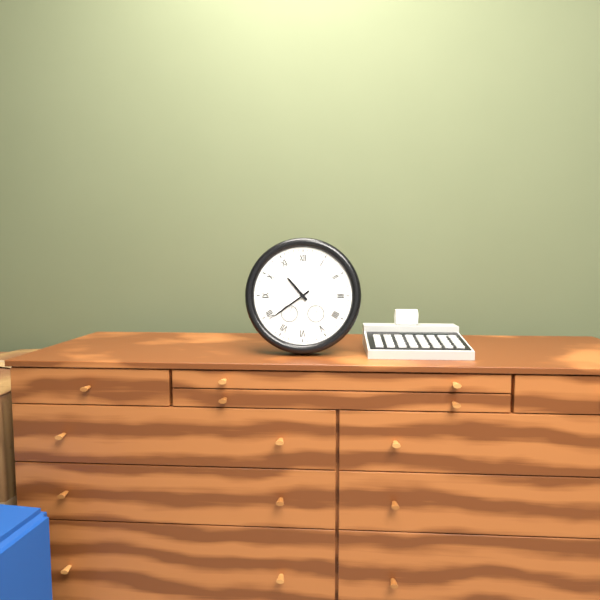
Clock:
10:39
